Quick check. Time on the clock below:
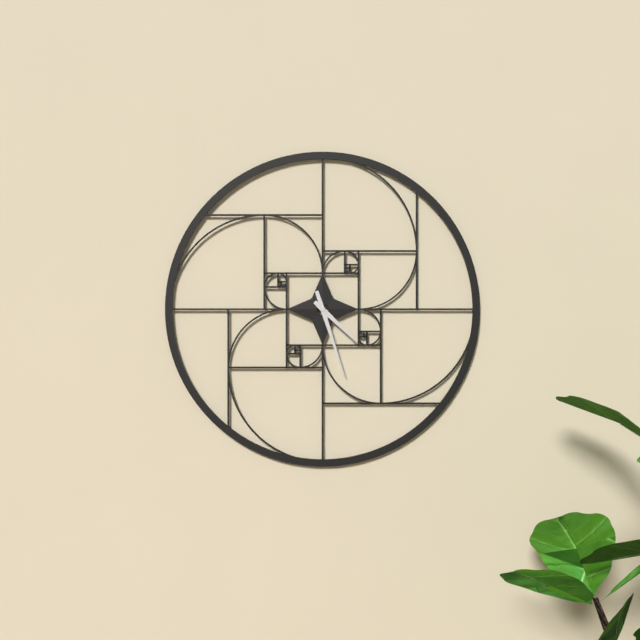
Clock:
4:27
